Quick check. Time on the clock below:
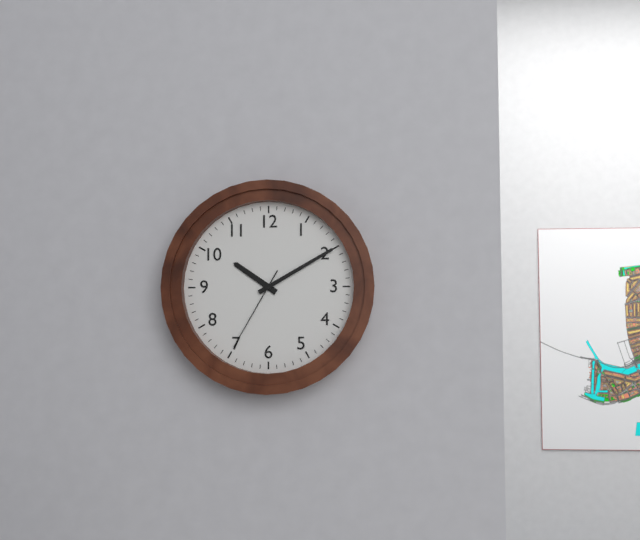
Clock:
10:10:35
